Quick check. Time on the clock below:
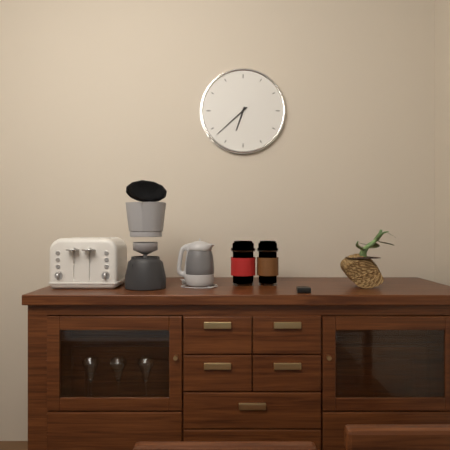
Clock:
6:38
